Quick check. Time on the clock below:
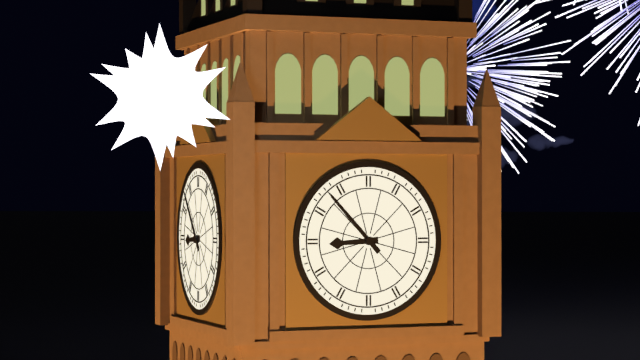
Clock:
8:53
